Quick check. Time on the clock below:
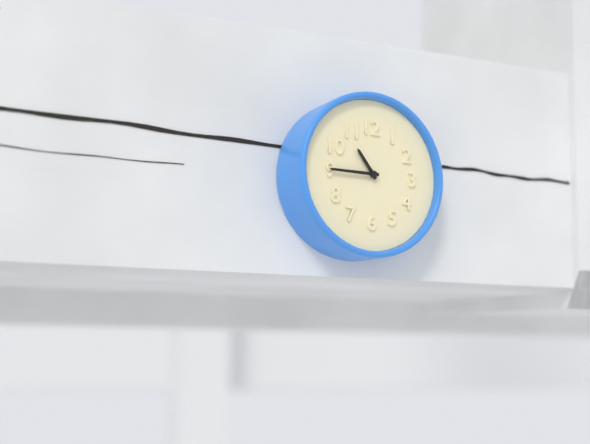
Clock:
10:45
